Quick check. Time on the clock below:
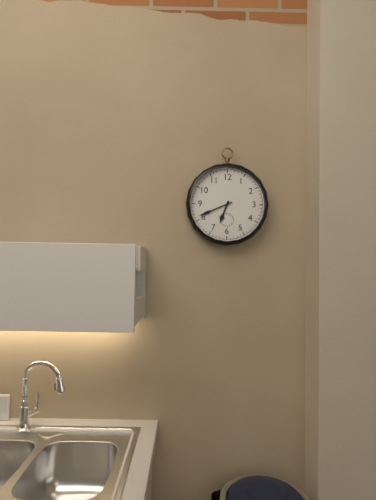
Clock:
6:41
